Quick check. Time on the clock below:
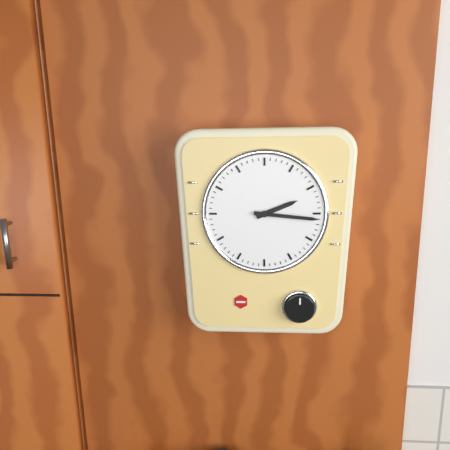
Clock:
2:16
